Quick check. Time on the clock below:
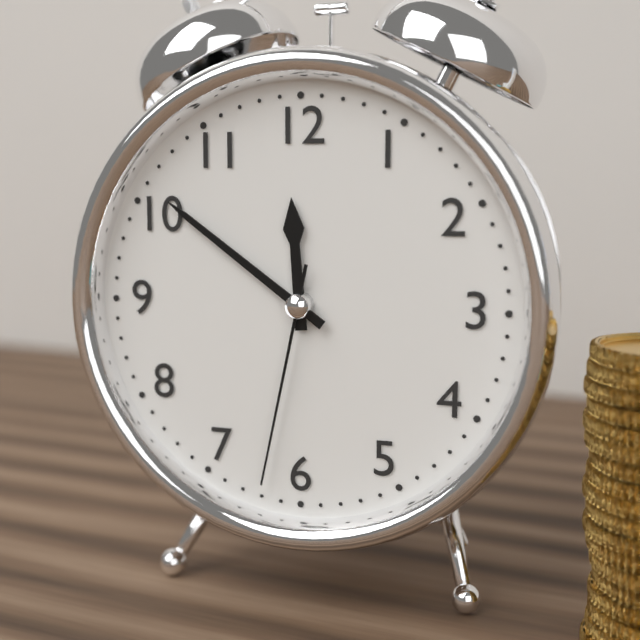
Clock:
11:51:32
